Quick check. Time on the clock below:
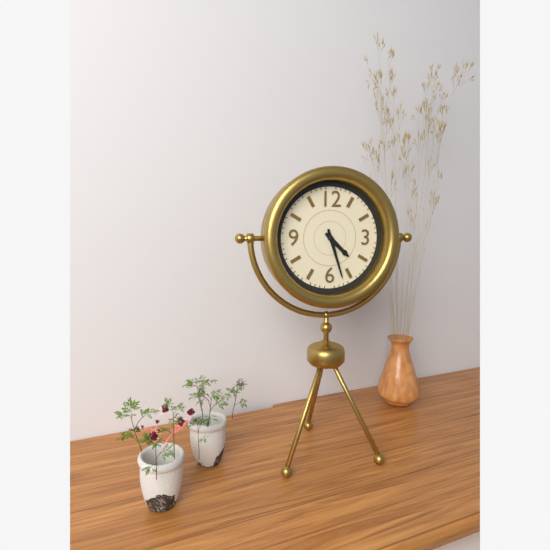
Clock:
4:27
